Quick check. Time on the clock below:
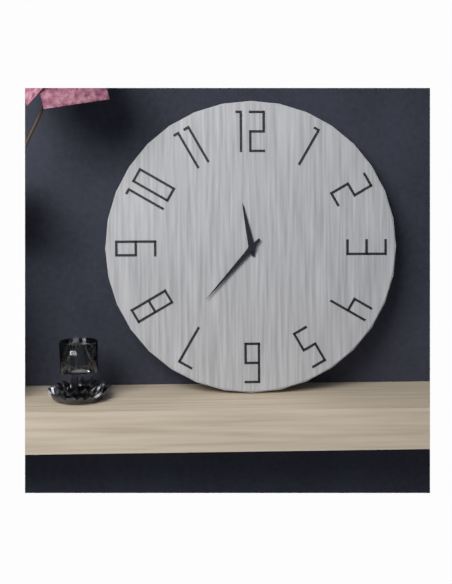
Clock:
11:37
